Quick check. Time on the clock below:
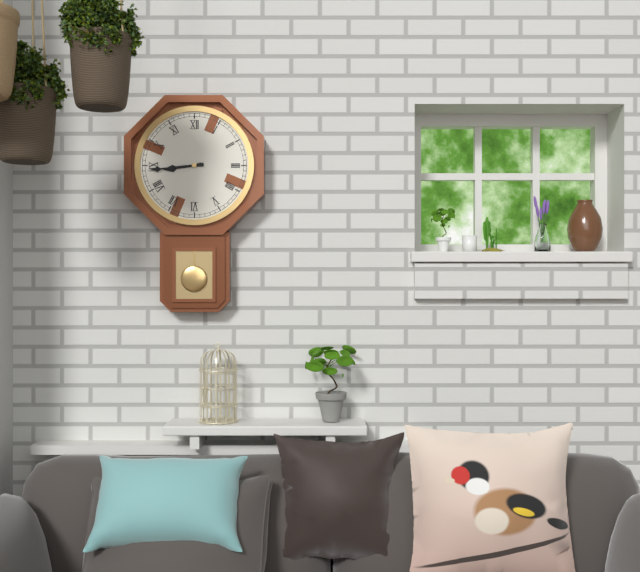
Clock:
8:44
